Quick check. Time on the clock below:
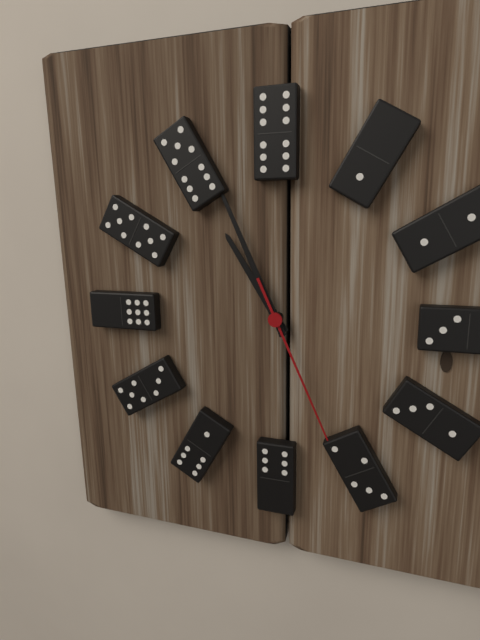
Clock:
10:56:26
